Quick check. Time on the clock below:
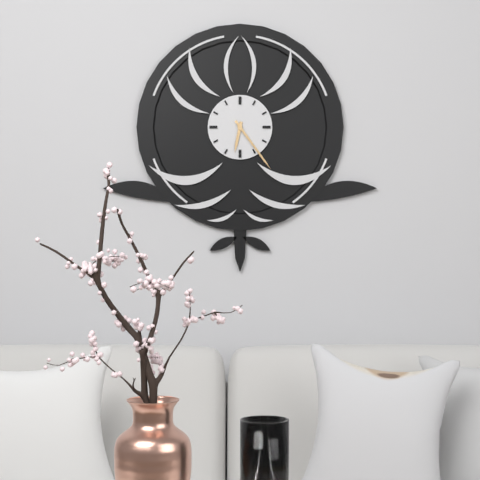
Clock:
6:24
